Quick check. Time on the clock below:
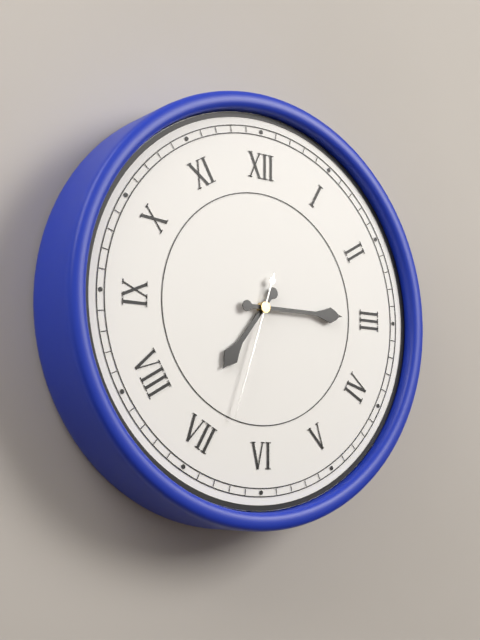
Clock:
7:15:33
